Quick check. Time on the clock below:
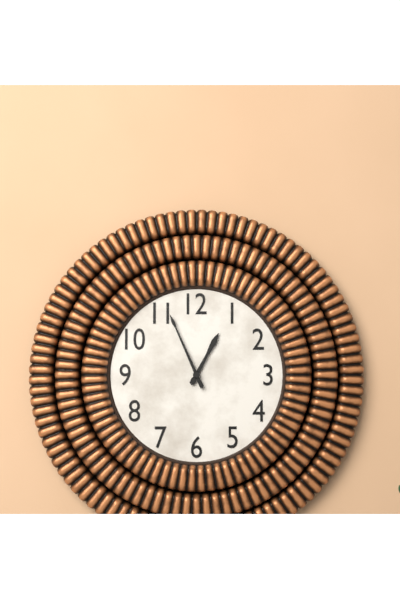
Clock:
12:56
